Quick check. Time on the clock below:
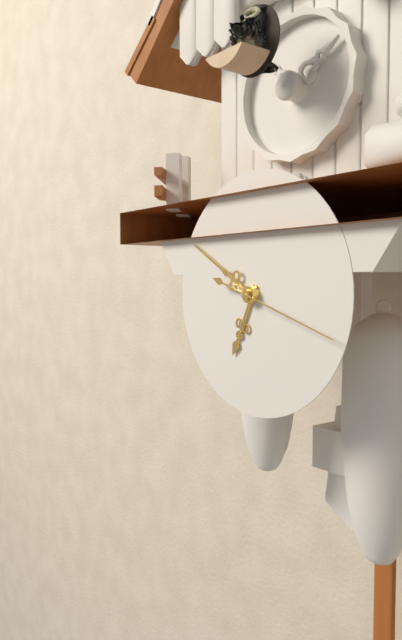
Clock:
6:50:18
